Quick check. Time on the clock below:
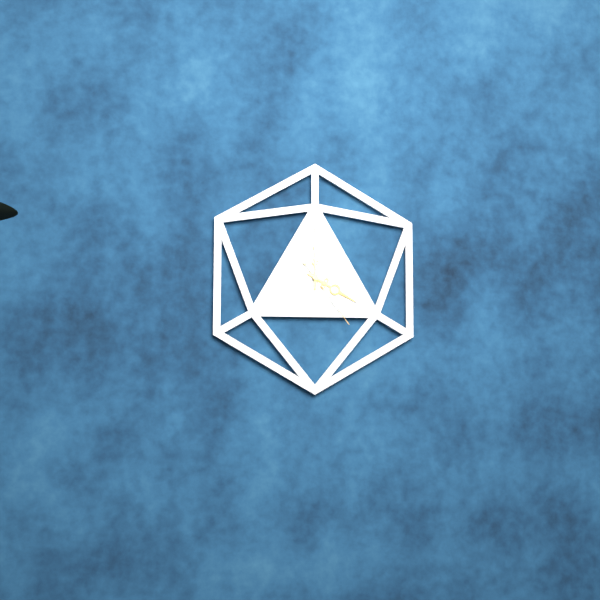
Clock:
4:00:24
